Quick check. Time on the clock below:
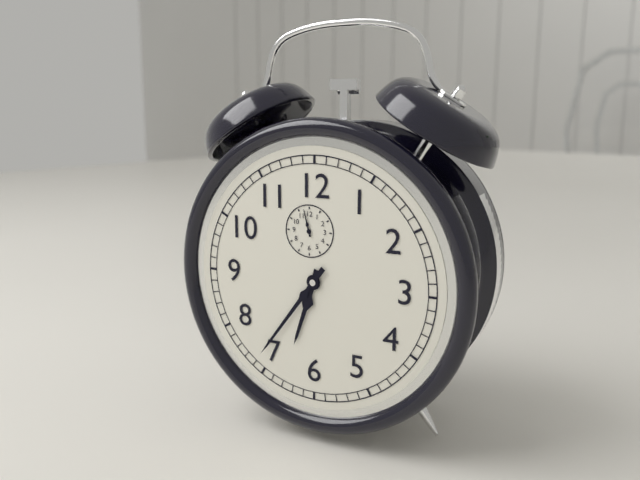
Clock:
6:36
